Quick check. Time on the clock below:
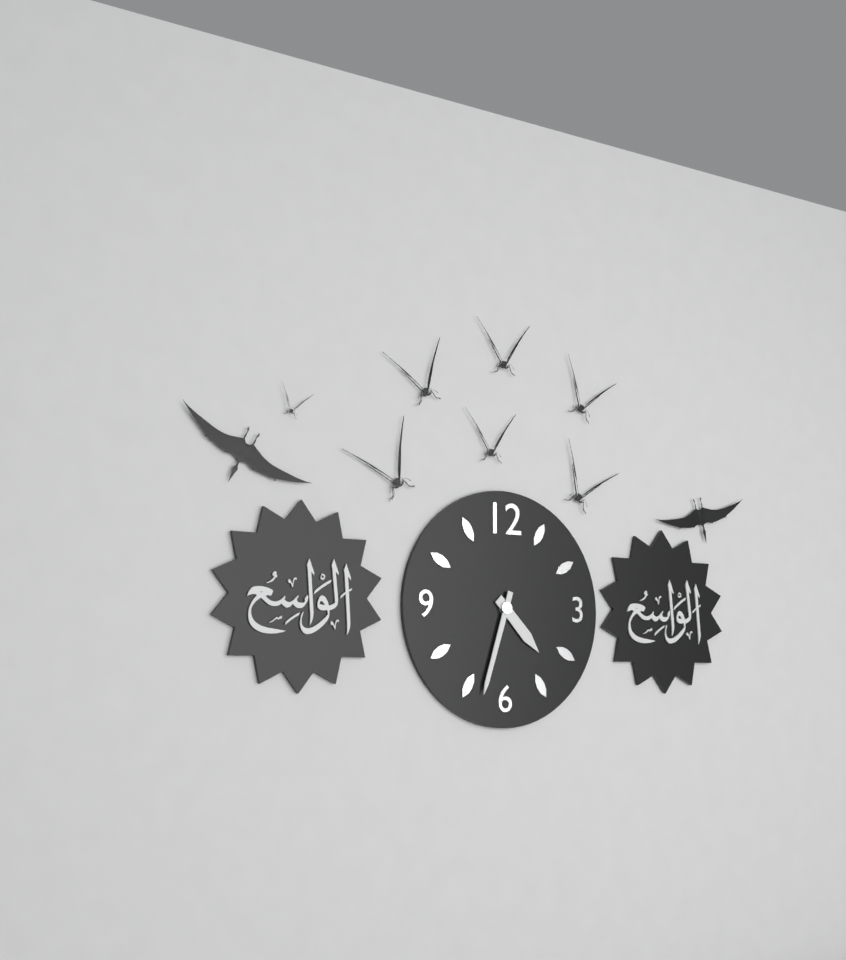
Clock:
4:33
